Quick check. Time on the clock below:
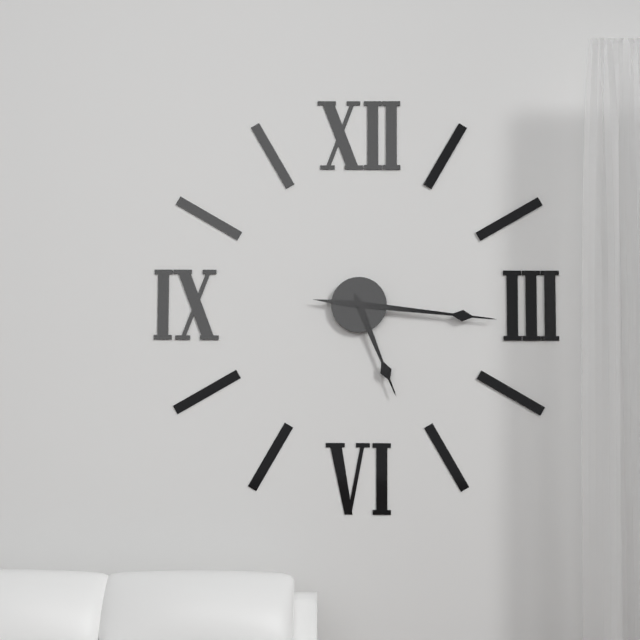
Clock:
5:16
